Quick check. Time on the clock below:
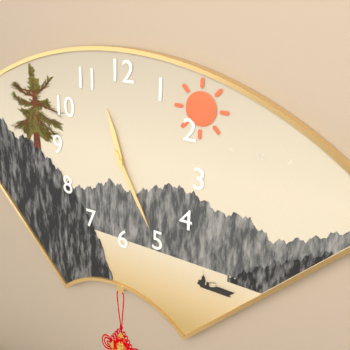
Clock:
11:25
